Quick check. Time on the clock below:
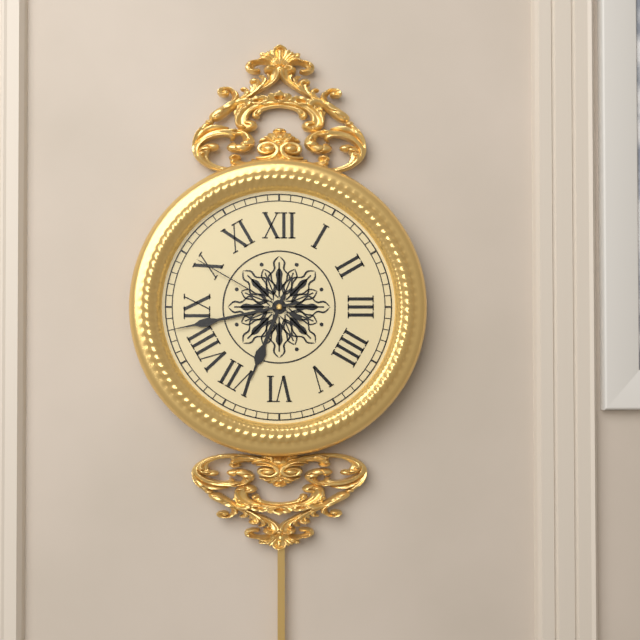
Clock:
6:43:50
